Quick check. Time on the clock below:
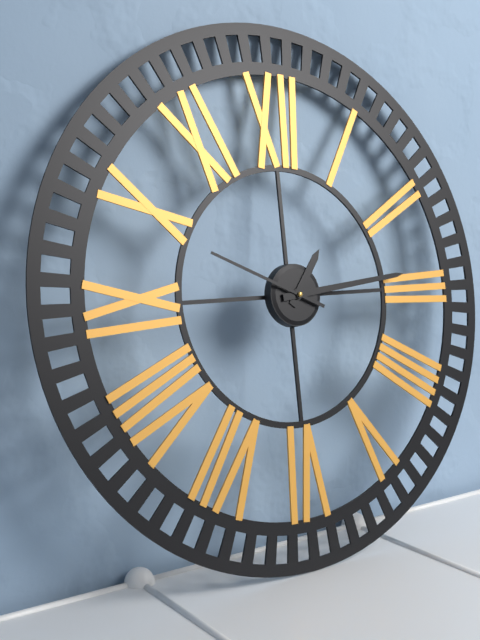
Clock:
1:14:49
